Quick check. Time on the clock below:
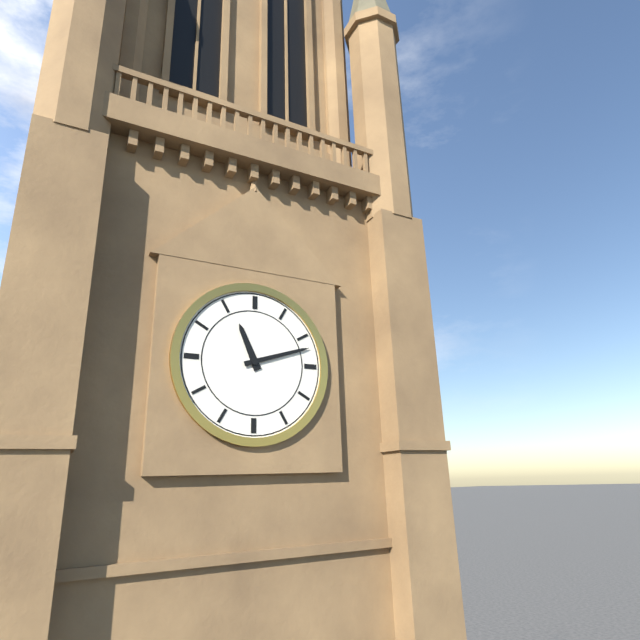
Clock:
11:12
